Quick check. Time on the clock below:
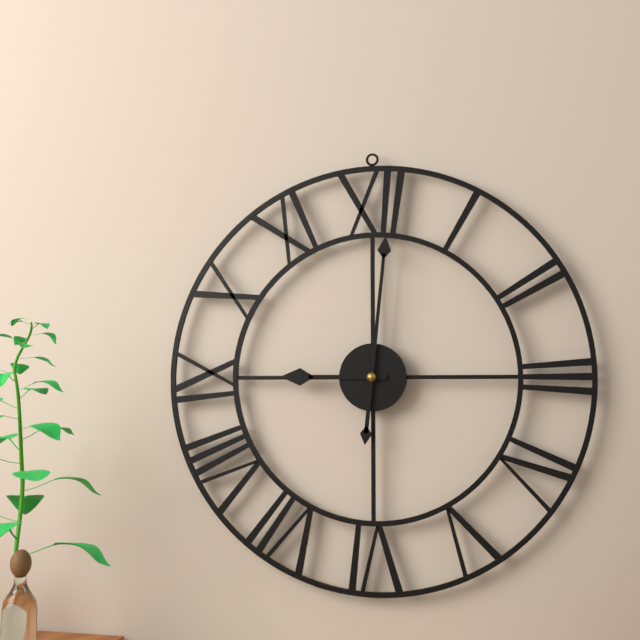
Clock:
9:01
